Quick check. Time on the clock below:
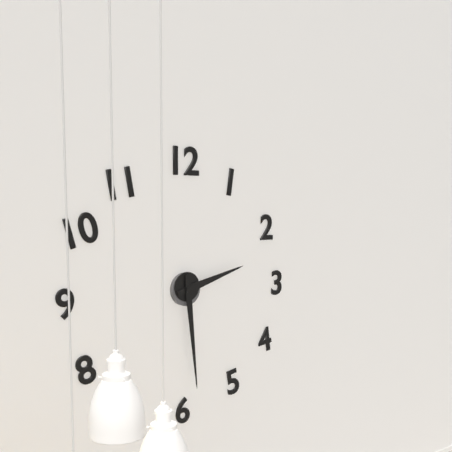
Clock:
2:29
